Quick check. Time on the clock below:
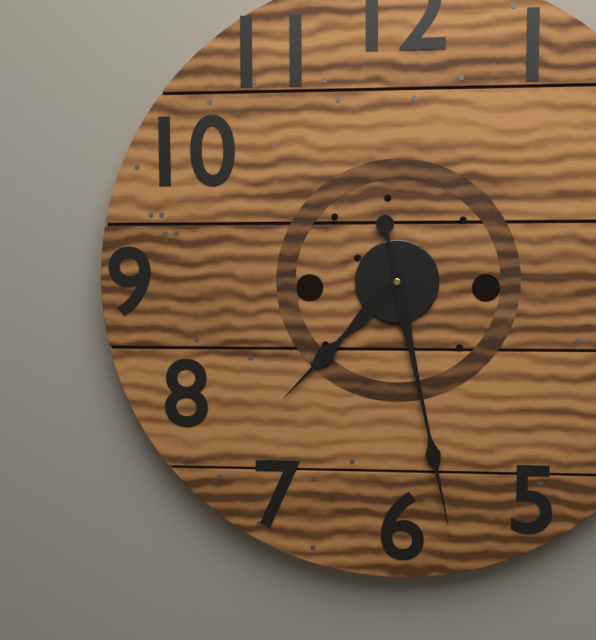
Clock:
7:28
